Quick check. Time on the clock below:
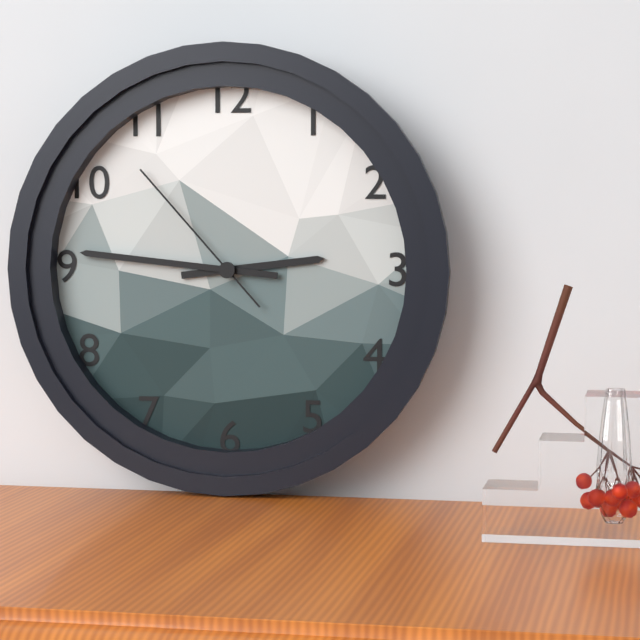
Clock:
2:46:53
